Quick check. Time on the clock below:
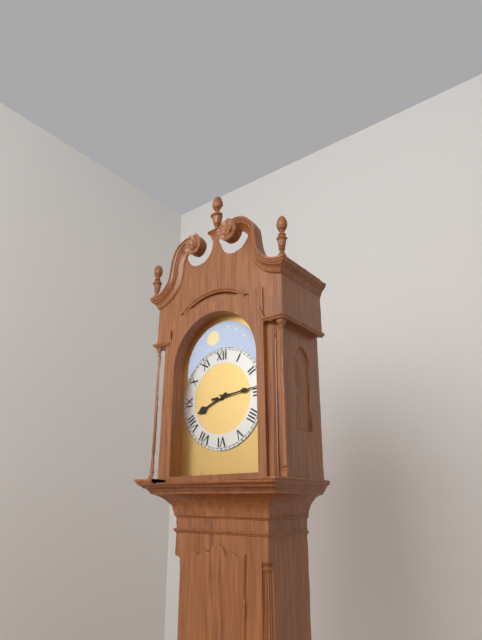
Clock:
8:14
